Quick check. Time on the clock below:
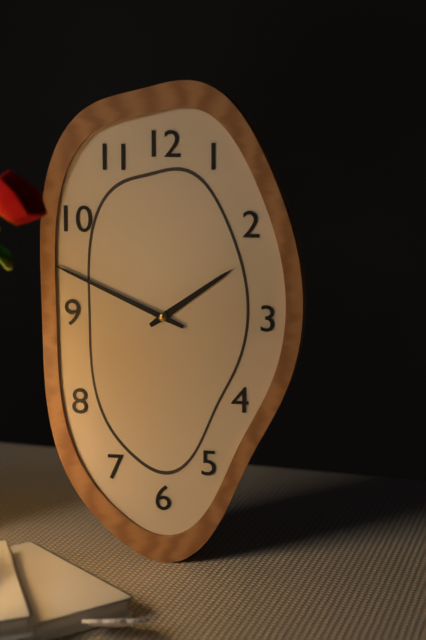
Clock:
1:49
